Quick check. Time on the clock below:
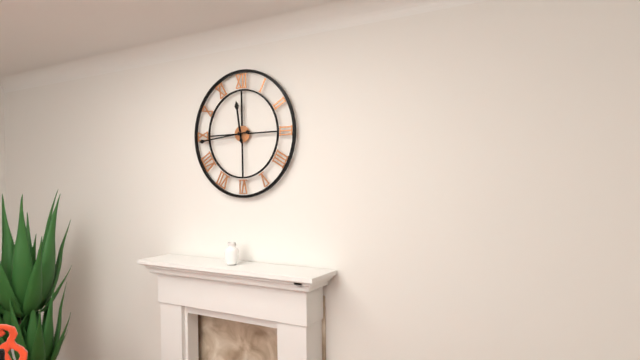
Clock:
11:44
